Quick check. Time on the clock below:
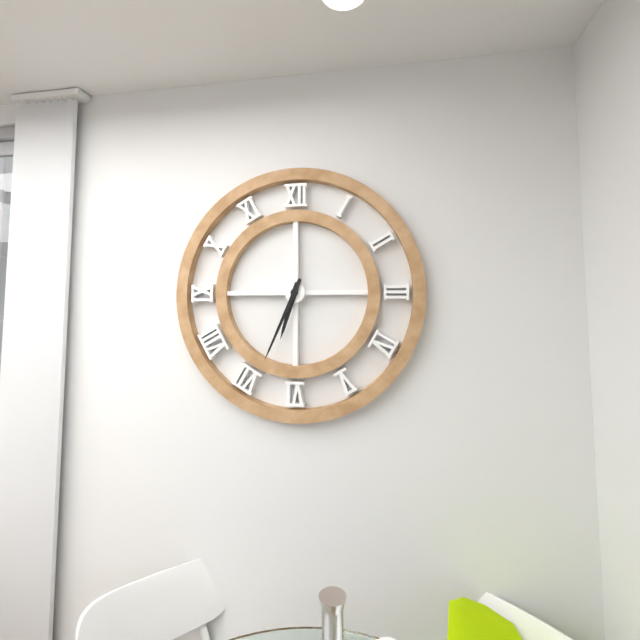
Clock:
6:34
